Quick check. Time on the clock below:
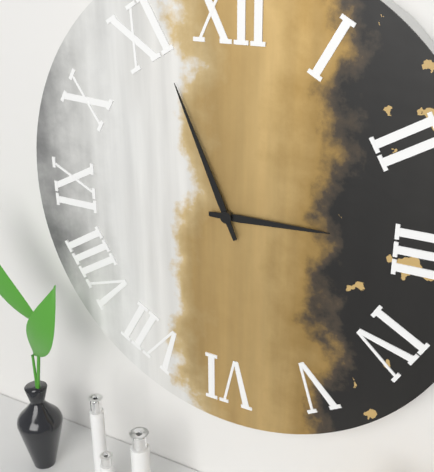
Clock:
2:56
